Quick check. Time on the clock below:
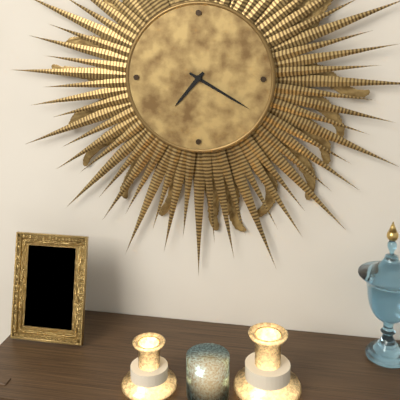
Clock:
7:20
